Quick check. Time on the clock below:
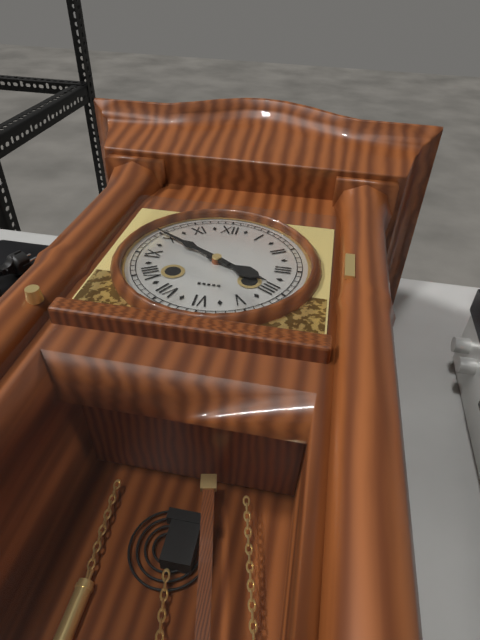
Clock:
3:50
